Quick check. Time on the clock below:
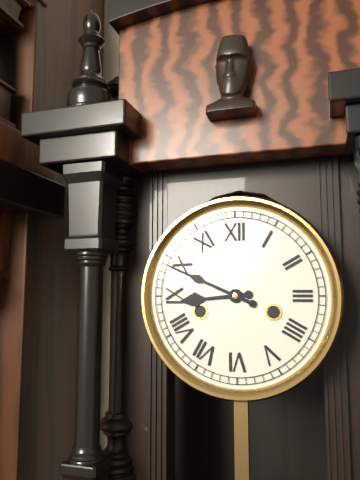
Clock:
8:49
